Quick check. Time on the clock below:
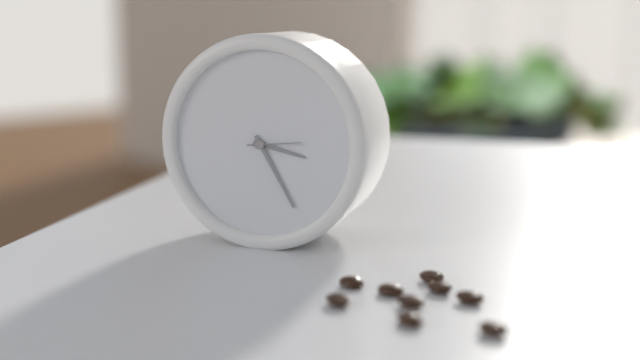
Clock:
3:25:14
